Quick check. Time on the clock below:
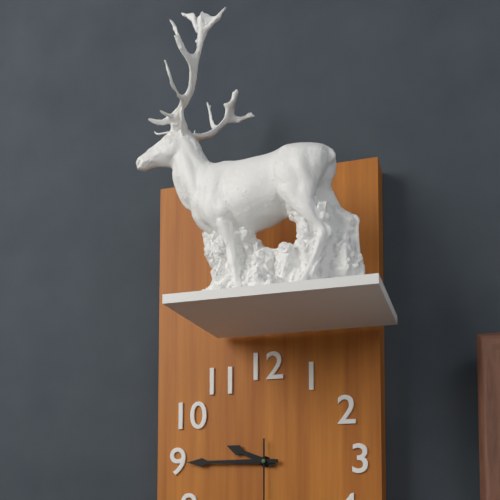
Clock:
9:45
